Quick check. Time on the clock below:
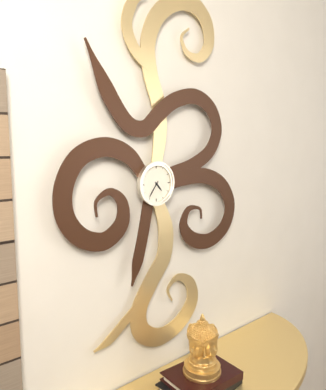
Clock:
4:36
